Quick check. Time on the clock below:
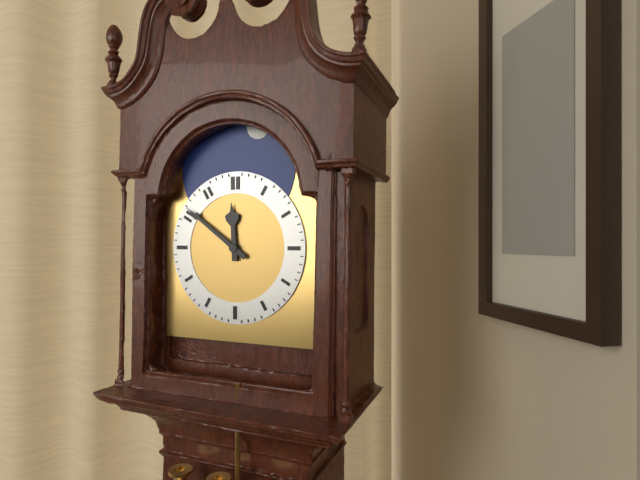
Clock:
11:51
